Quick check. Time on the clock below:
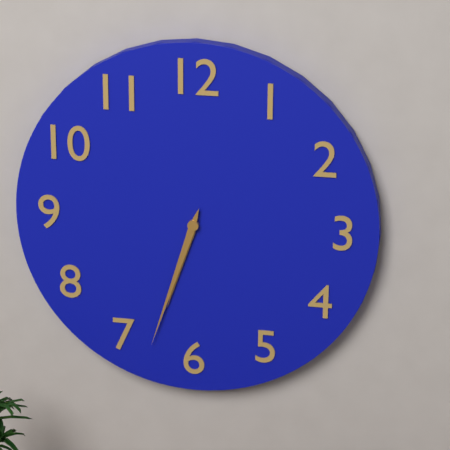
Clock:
6:33
